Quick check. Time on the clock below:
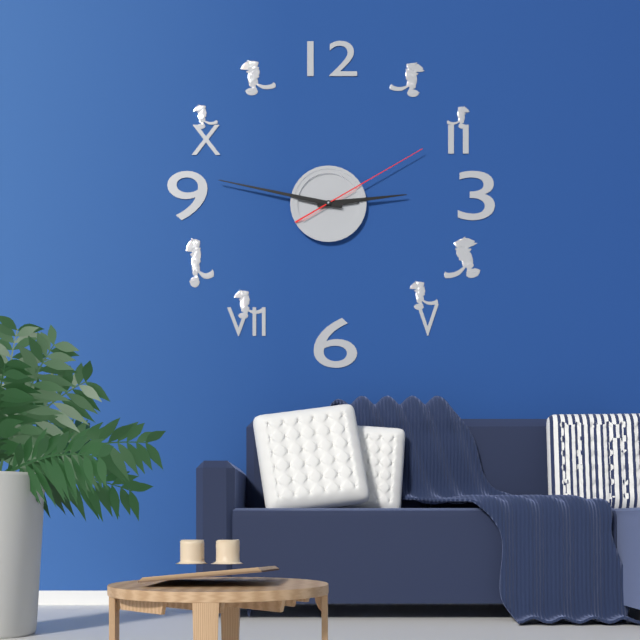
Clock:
2:47:10
